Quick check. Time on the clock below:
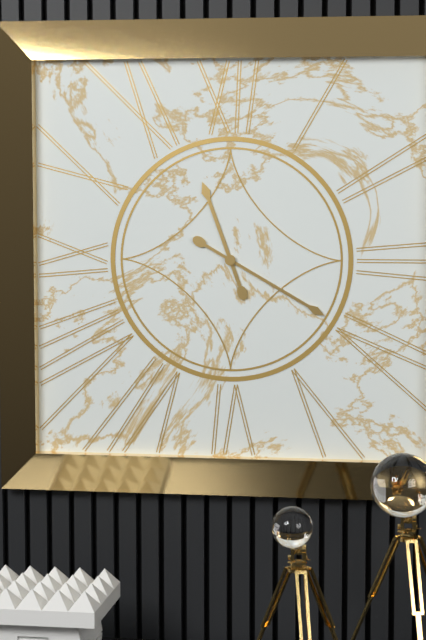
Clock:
11:20
